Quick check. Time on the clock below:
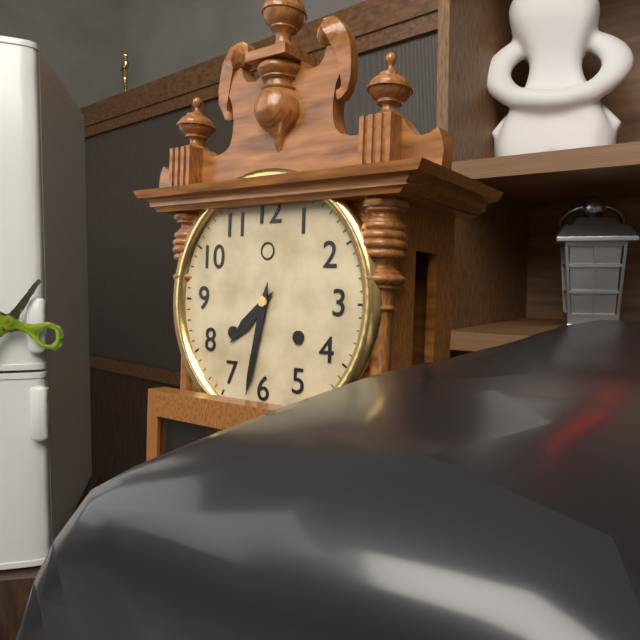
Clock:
7:32
